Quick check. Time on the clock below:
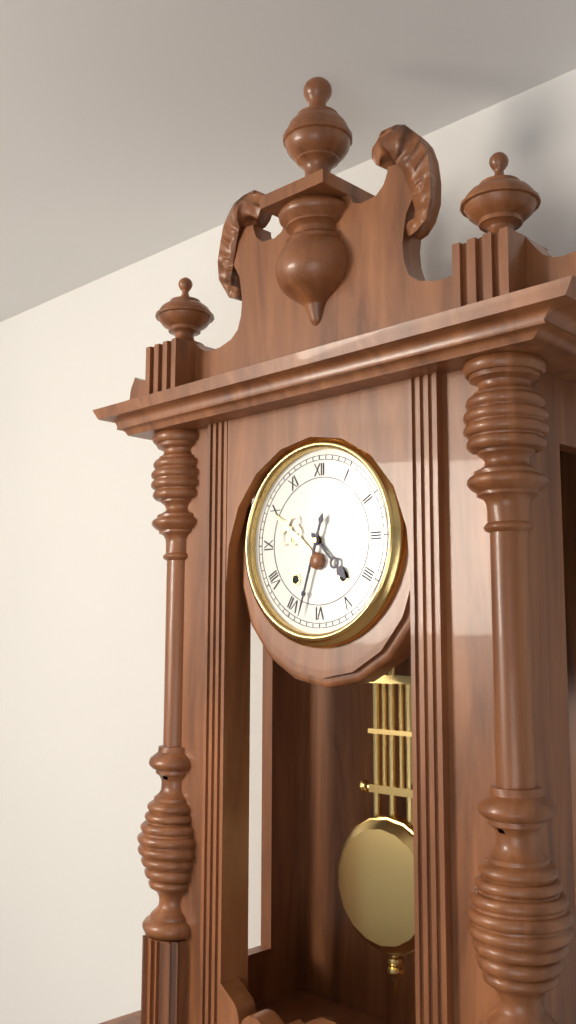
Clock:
4:33
